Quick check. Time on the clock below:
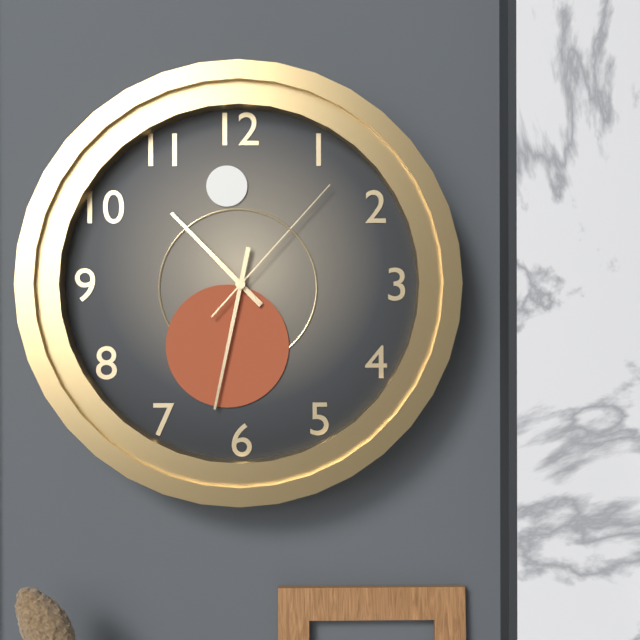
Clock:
10:32:07
